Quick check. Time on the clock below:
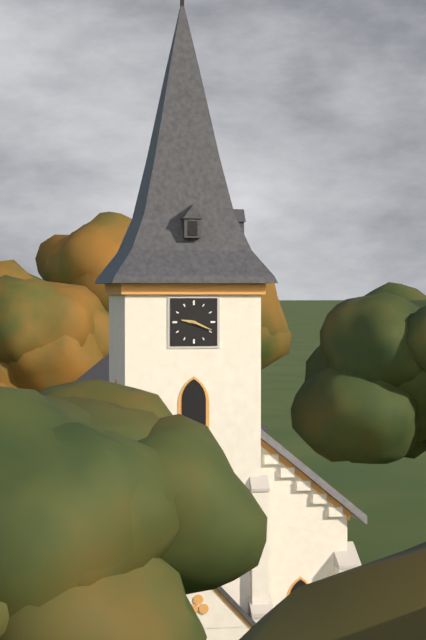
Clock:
9:19
